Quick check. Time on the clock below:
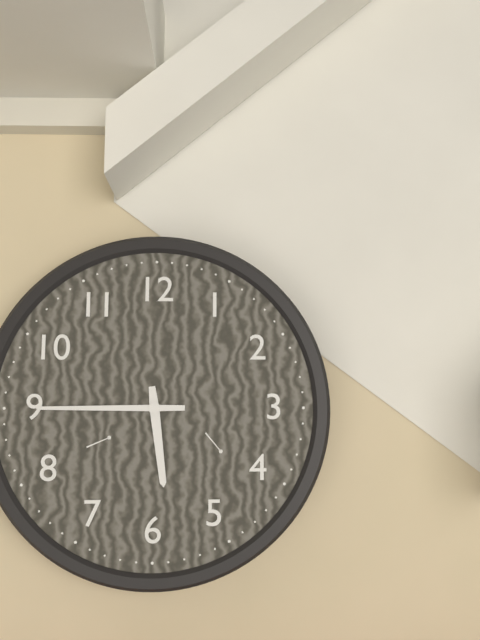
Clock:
5:45
